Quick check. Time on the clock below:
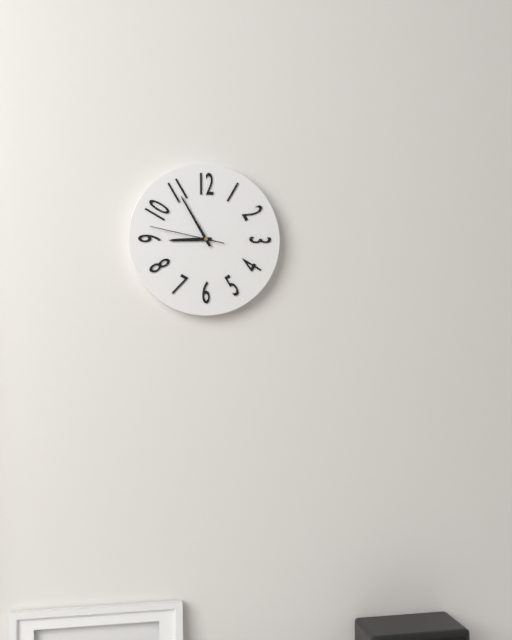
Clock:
8:55:47
